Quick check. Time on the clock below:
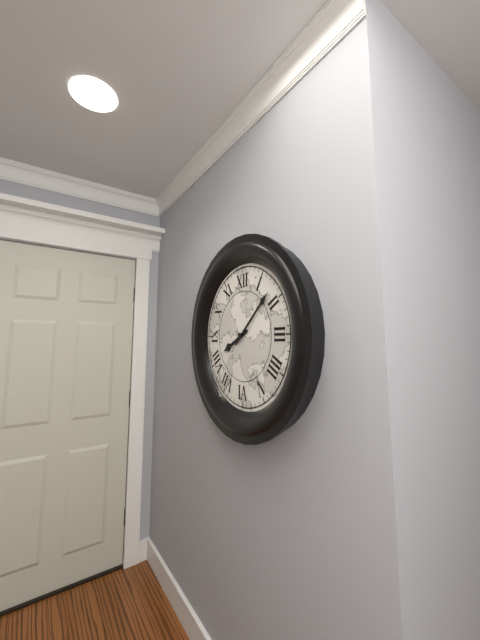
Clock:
8:08
